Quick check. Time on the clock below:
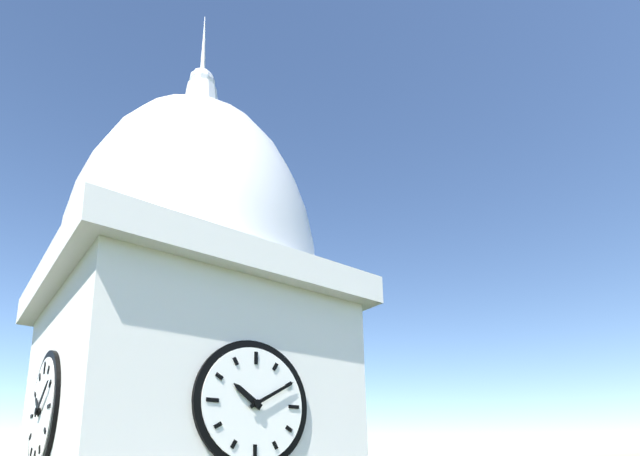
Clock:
10:10
